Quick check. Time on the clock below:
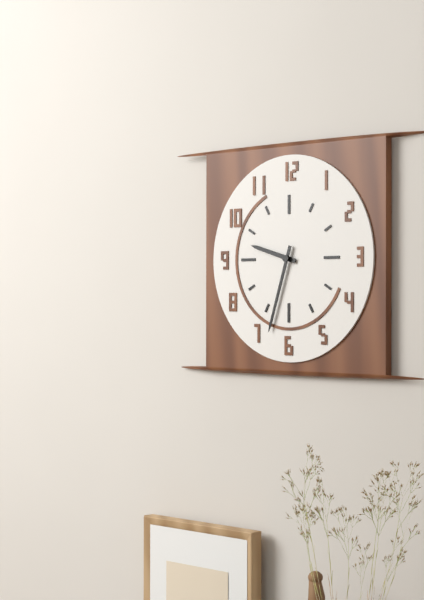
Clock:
9:33
